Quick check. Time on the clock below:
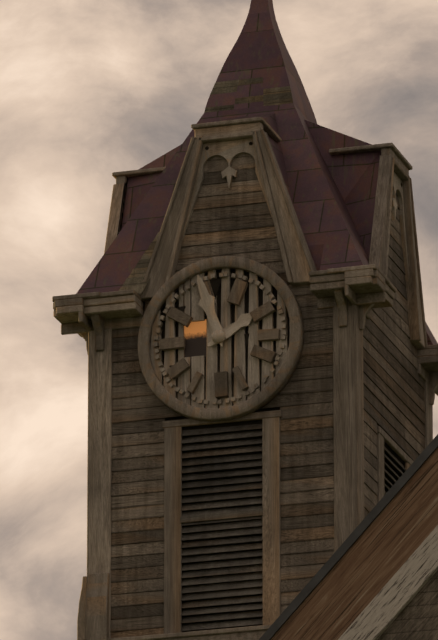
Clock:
1:57
